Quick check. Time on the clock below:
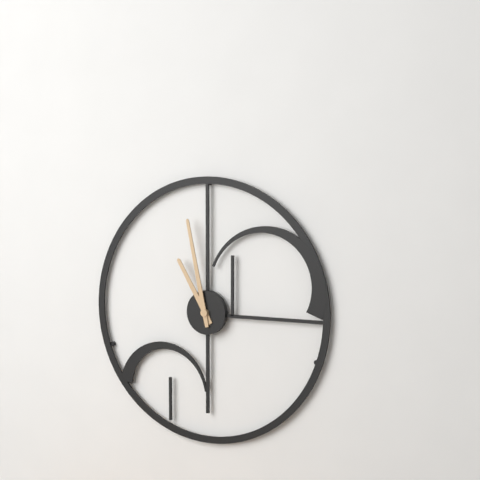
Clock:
10:58
